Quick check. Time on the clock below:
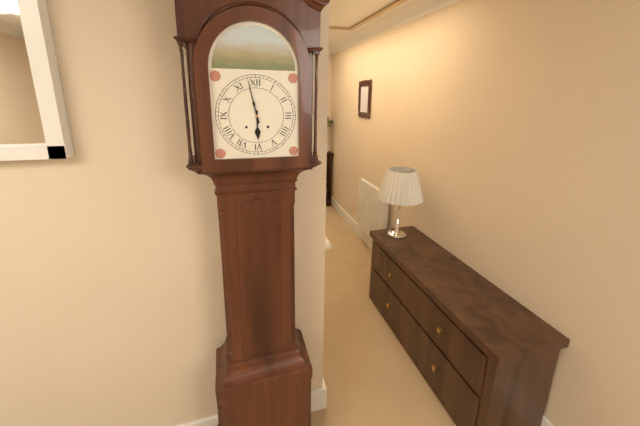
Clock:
5:58
